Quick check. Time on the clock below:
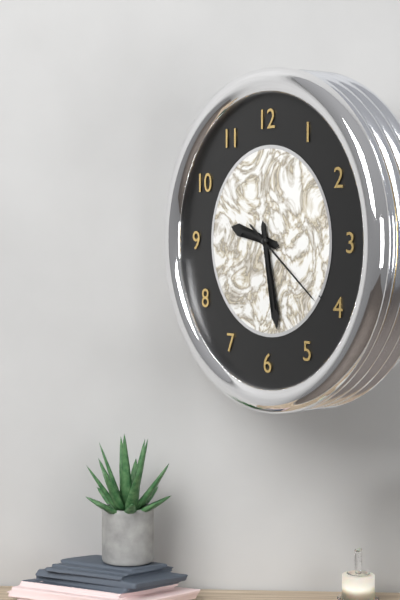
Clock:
9:28:21
